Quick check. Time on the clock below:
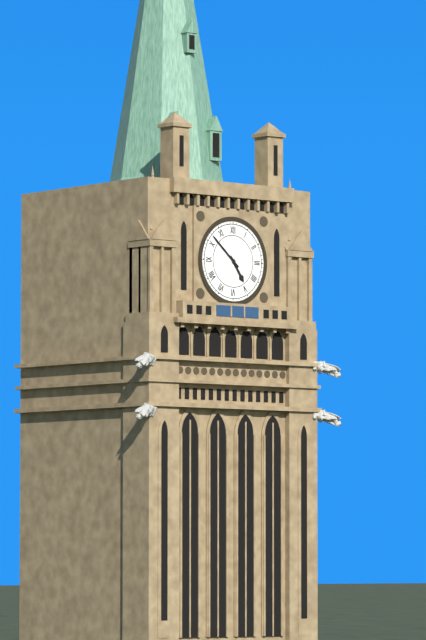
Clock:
4:52
